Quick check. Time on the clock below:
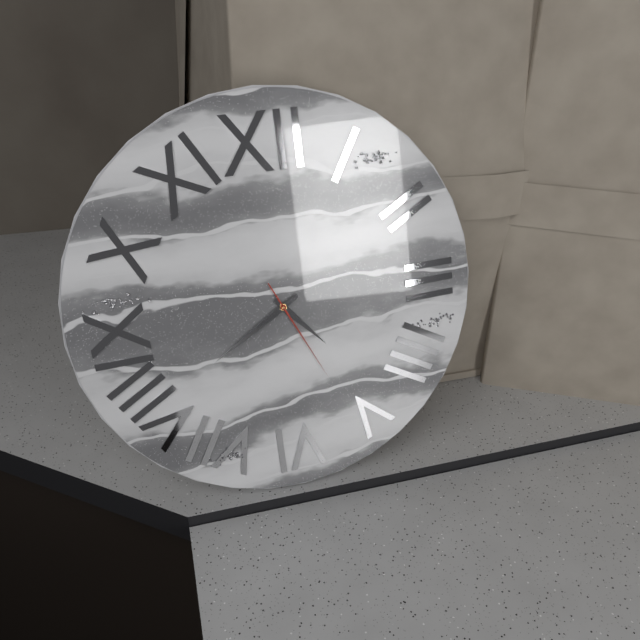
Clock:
4:40:26
